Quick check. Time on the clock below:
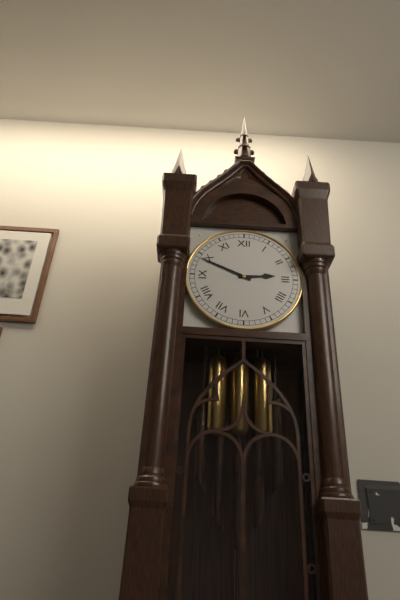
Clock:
2:49
